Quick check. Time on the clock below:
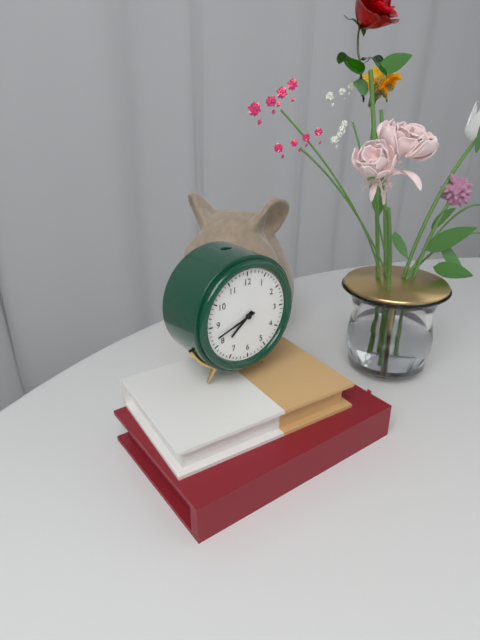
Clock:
7:42
